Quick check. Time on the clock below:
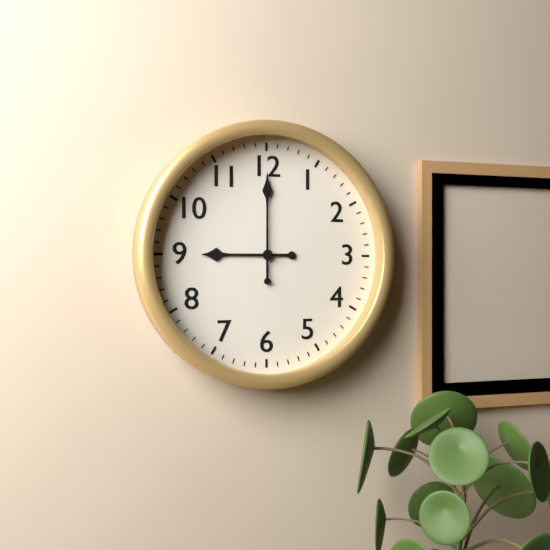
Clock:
9:00
